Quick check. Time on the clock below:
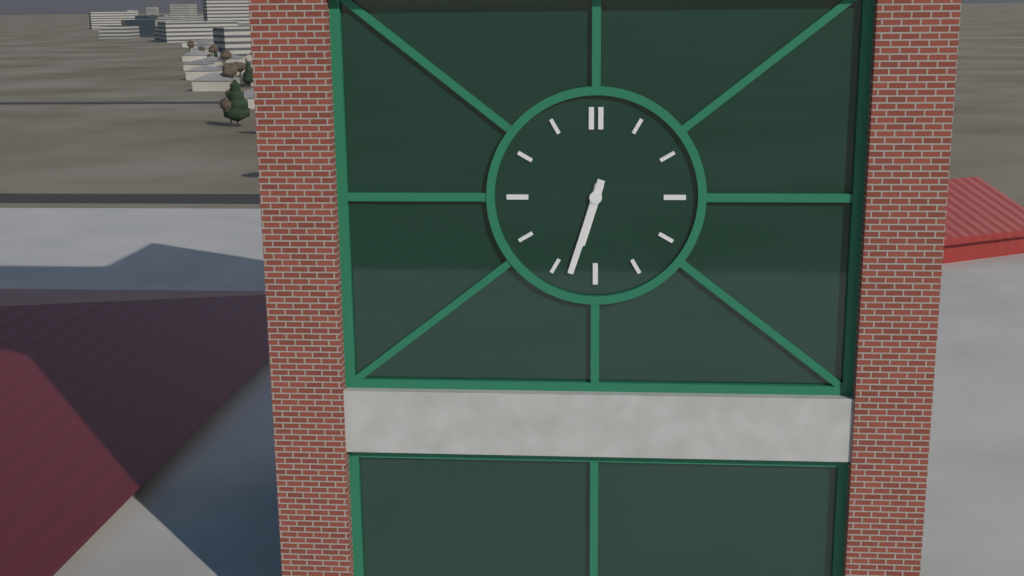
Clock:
6:33
